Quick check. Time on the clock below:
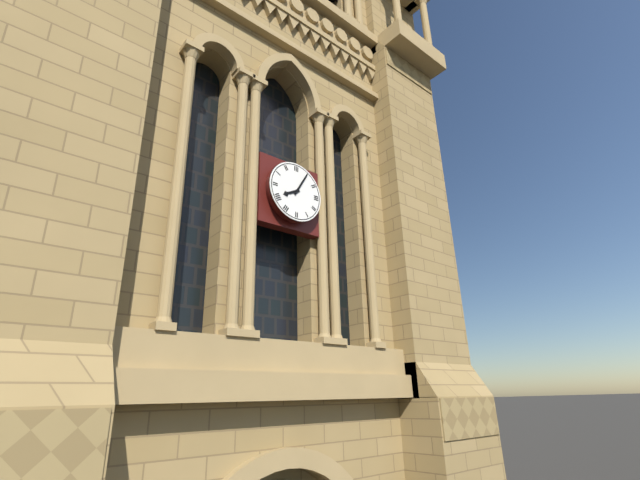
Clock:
8:05
